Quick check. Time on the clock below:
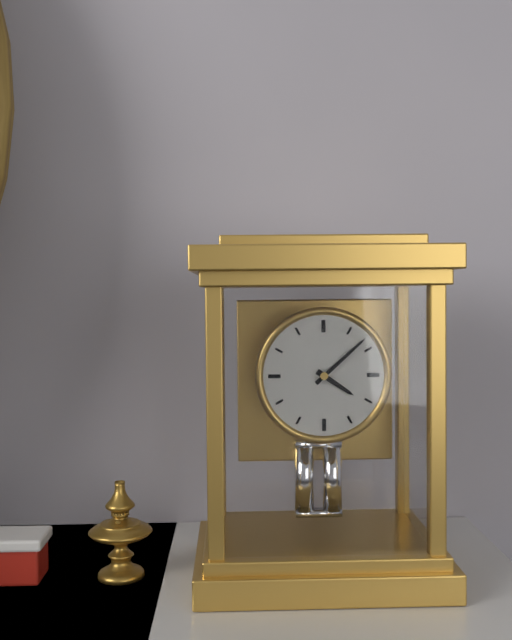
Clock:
4:08
